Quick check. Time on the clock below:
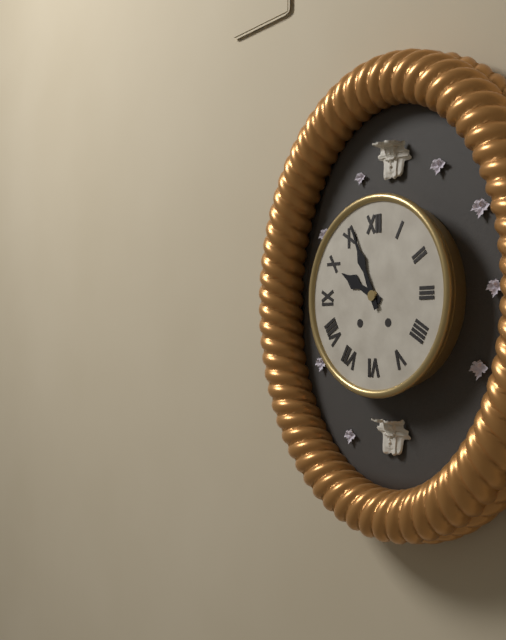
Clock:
9:56
